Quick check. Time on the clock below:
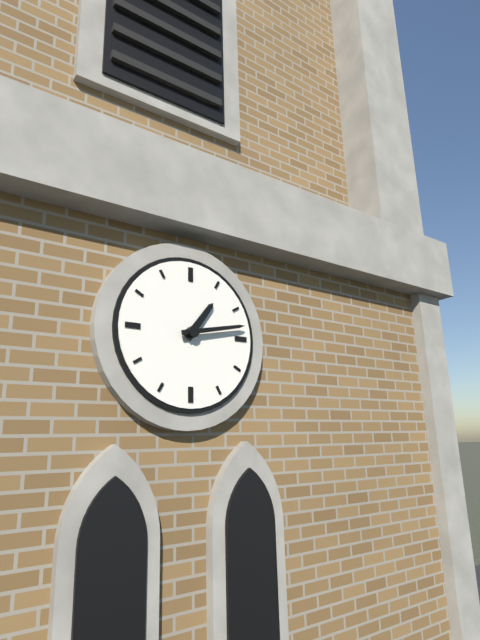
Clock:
1:13
